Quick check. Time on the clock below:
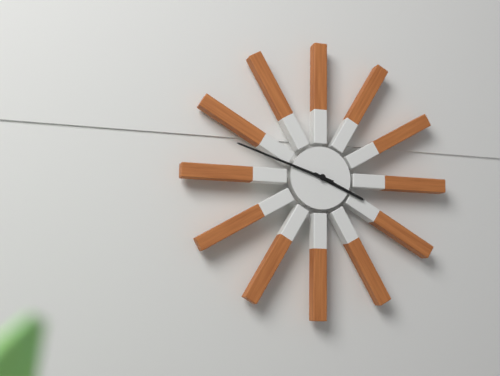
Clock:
3:48
